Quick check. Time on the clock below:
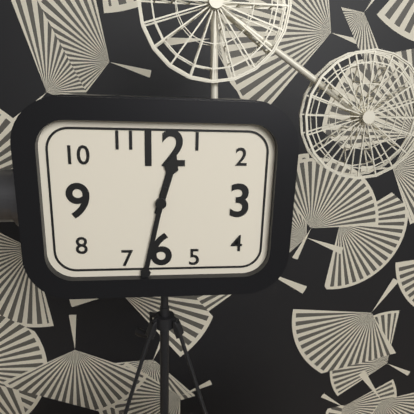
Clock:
12:32
